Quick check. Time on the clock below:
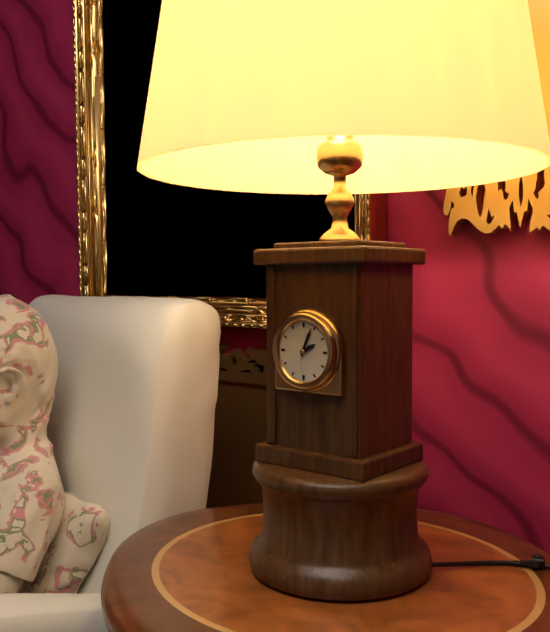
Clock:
2:04
